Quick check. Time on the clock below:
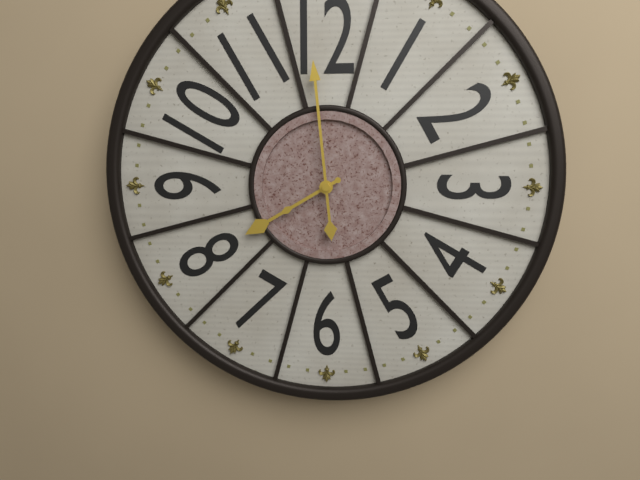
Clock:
7:59
